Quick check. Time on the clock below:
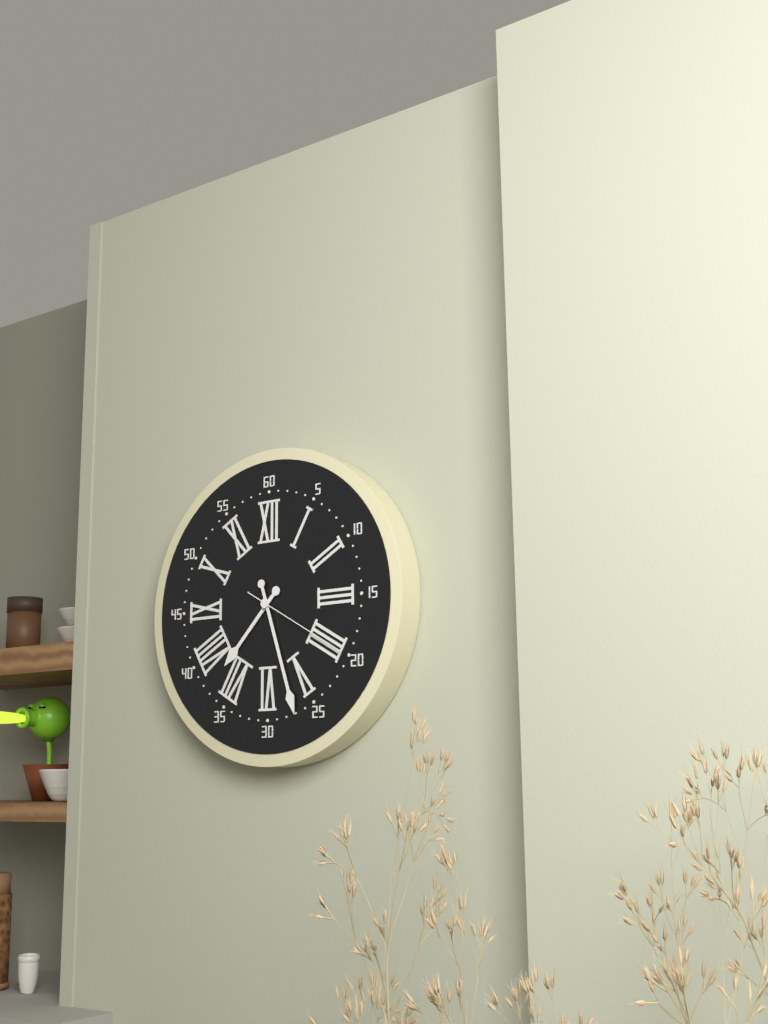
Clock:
7:27:20
